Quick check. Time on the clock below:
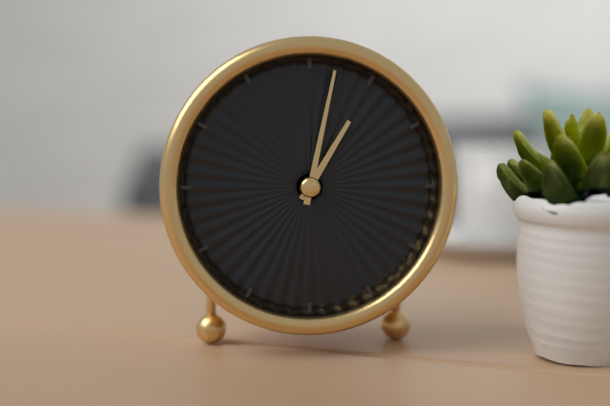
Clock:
1:02
